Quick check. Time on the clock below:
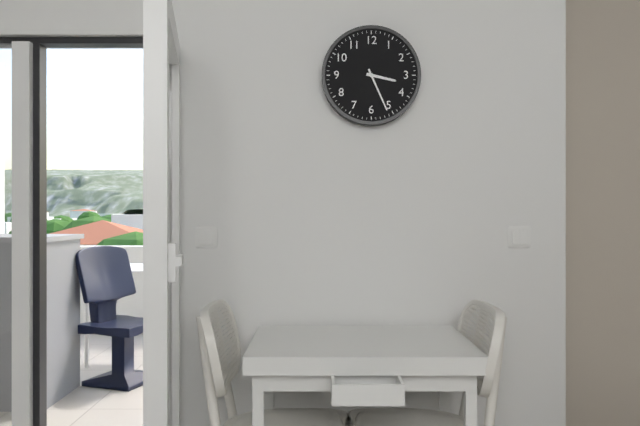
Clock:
3:26
